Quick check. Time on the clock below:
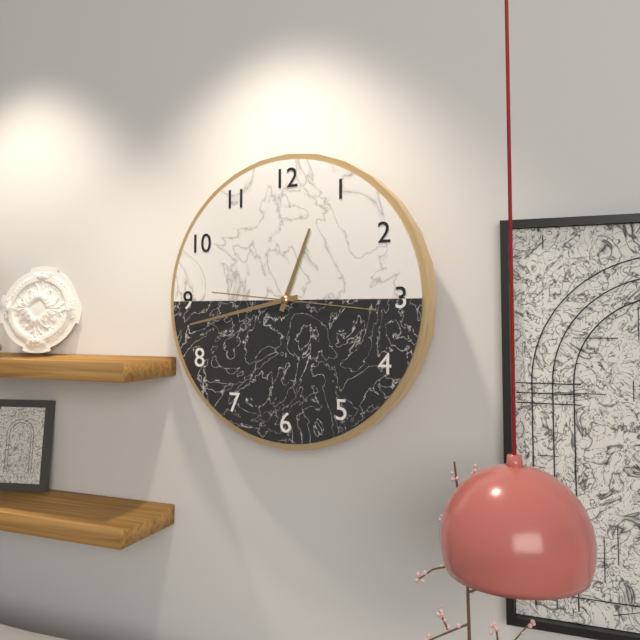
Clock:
12:43:16
